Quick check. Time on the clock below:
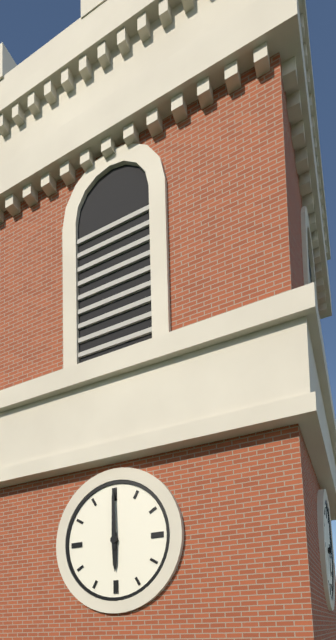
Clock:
6:00
